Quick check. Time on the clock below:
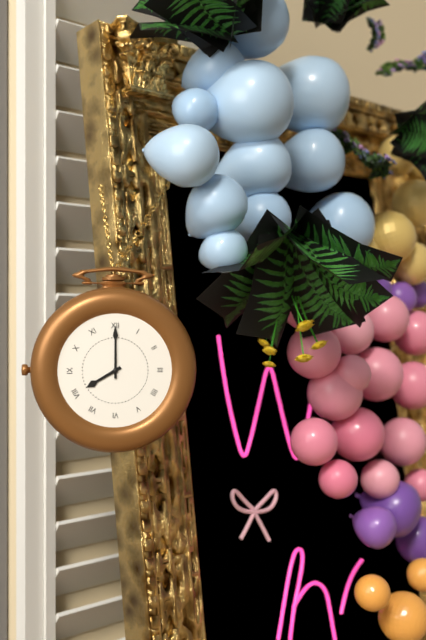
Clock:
8:00
